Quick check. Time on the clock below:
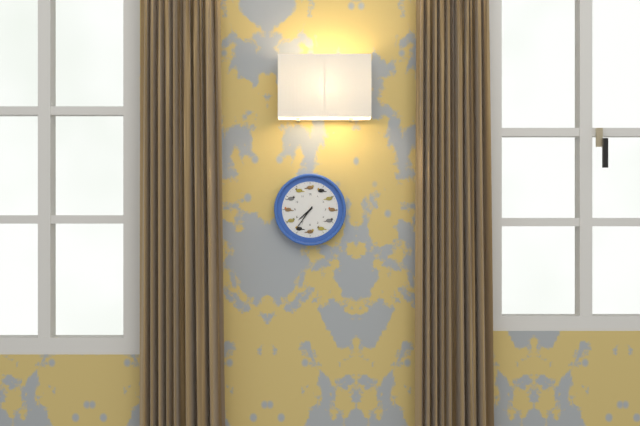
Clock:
7:36
